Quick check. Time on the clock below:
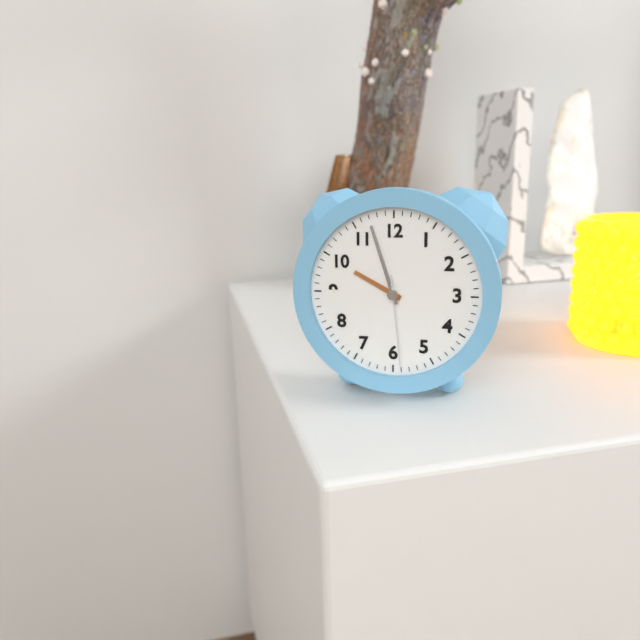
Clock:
9:57:29
